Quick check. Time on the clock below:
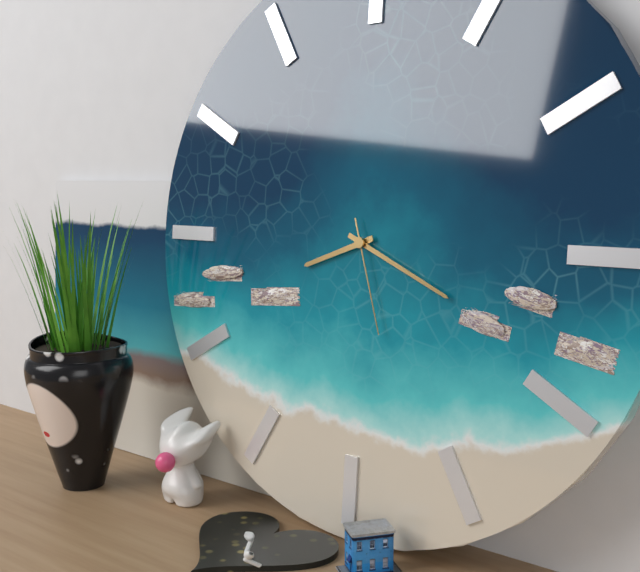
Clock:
8:19:27
